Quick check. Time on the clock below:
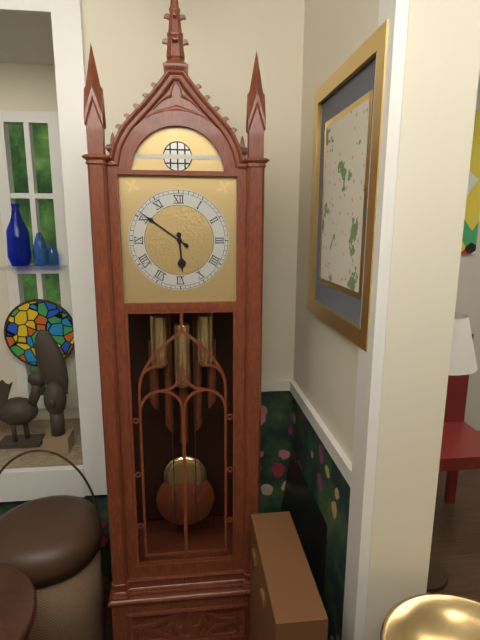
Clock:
5:51
